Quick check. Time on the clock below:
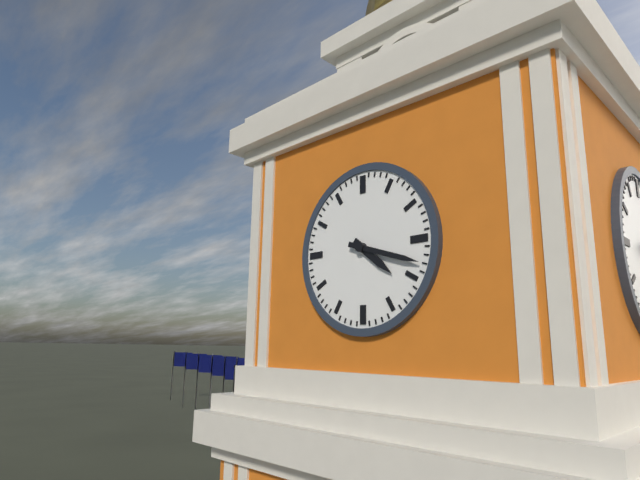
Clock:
4:18
